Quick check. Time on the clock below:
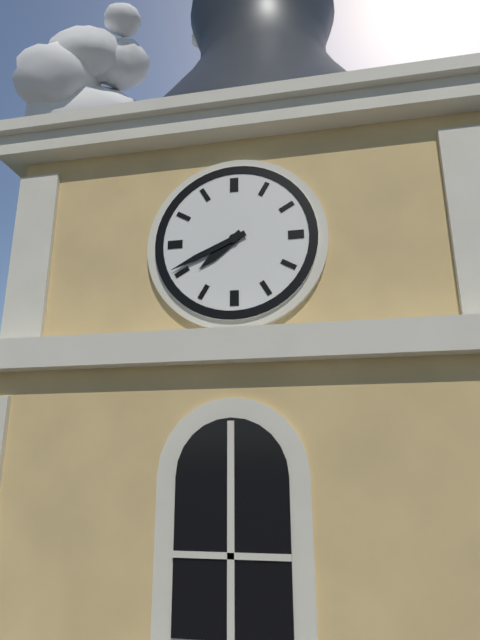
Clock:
7:41
